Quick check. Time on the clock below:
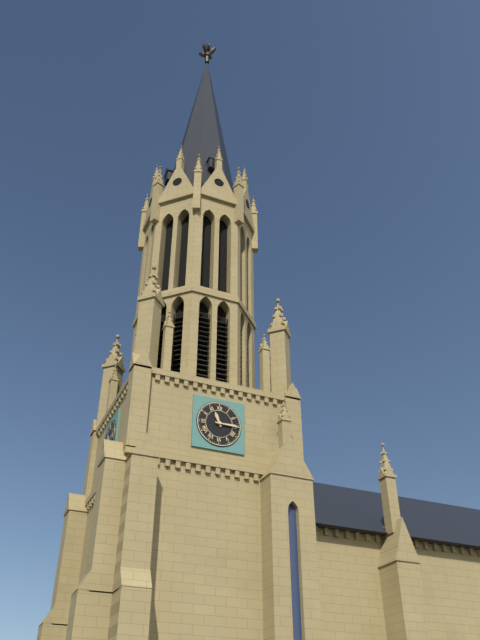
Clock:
11:15
